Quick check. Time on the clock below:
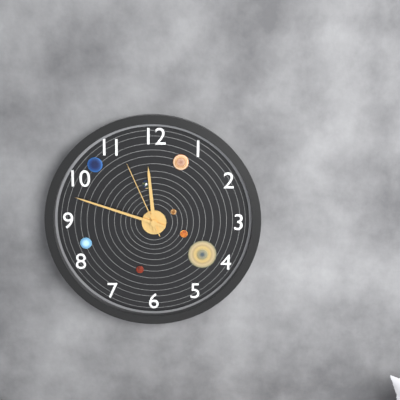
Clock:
11:48:56
